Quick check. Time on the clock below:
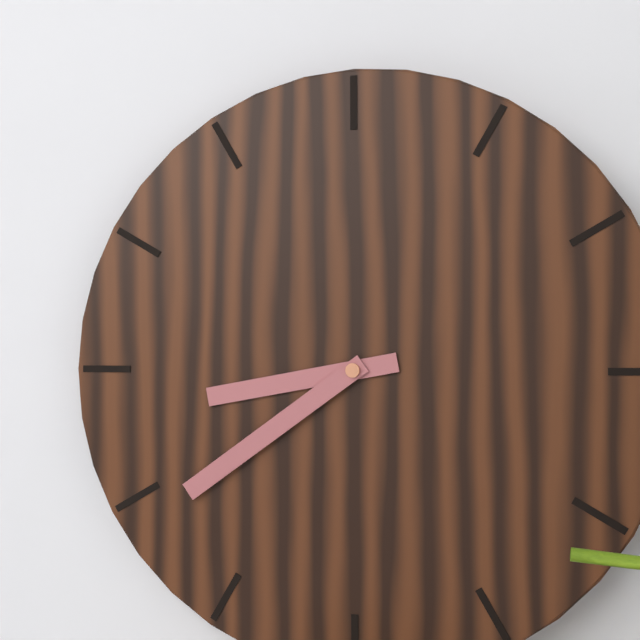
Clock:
8:39
